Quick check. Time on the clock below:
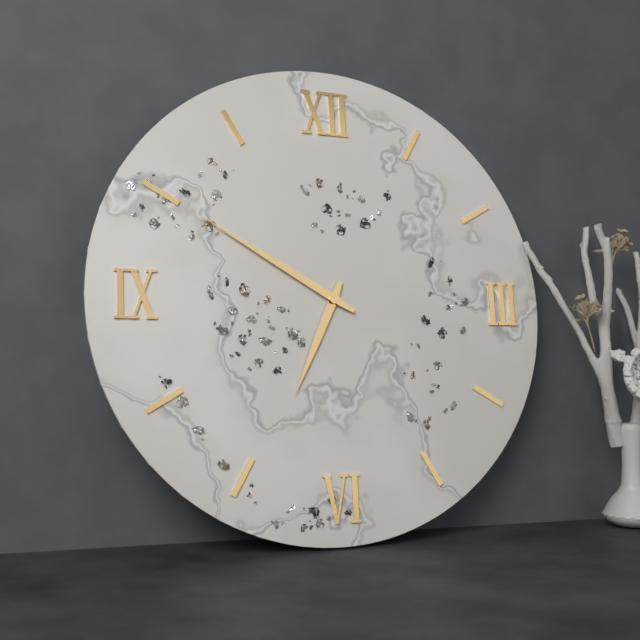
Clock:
6:50
